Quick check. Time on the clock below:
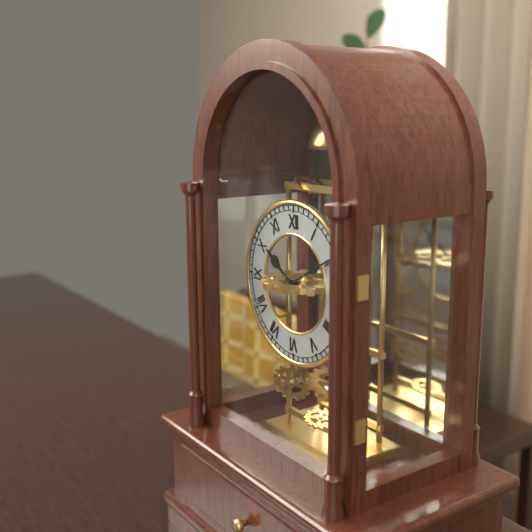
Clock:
10:10
